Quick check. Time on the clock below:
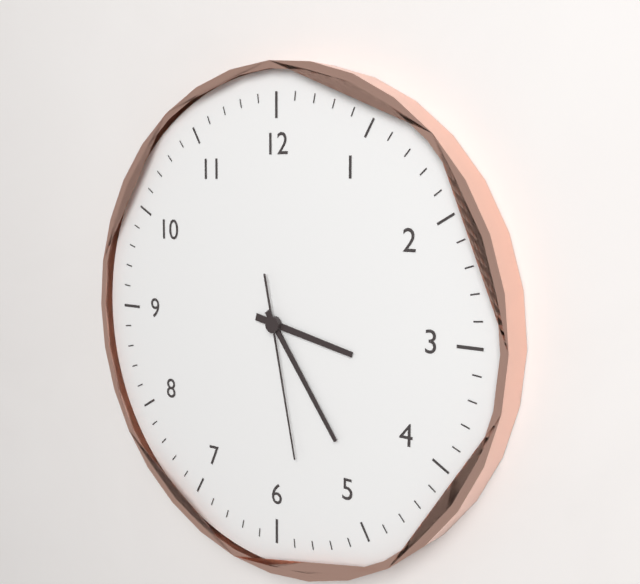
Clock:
3:24:28
